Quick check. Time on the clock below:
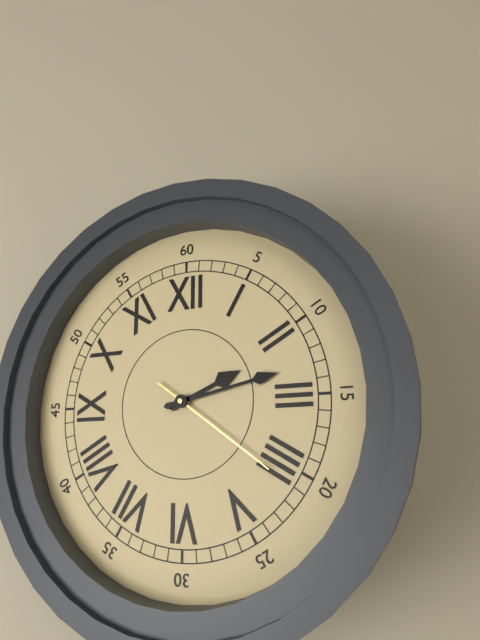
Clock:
2:13:21
